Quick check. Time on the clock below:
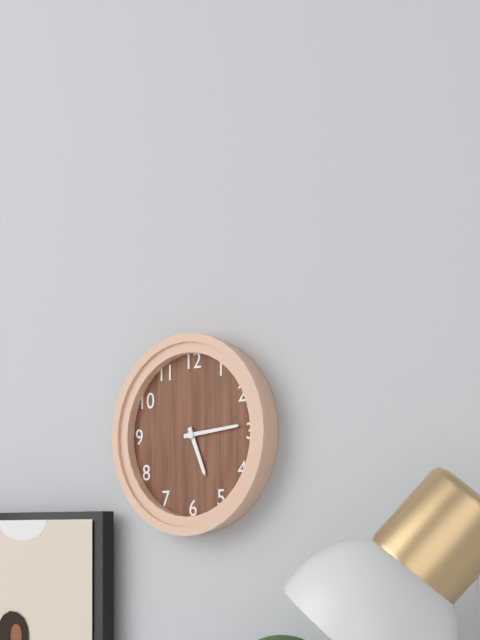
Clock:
5:14
